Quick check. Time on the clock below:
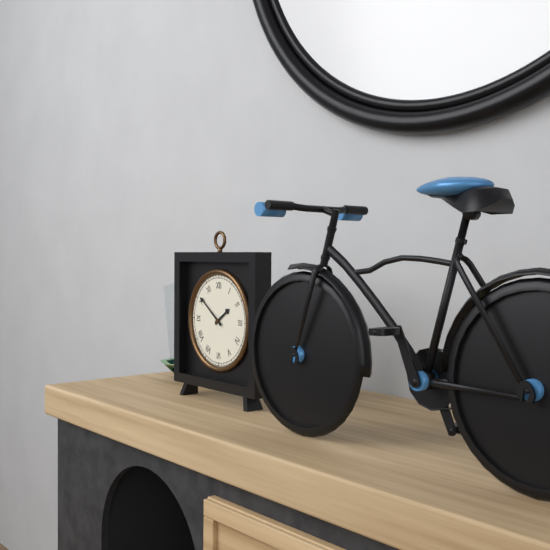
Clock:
1:51
